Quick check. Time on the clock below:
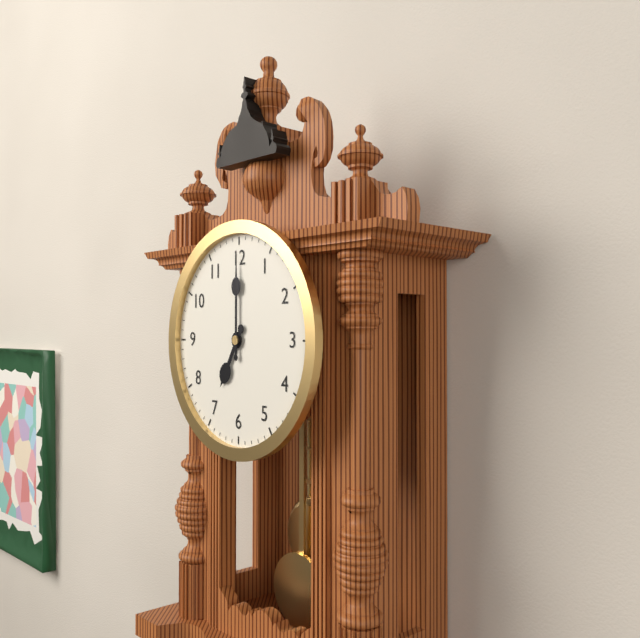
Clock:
7:00
